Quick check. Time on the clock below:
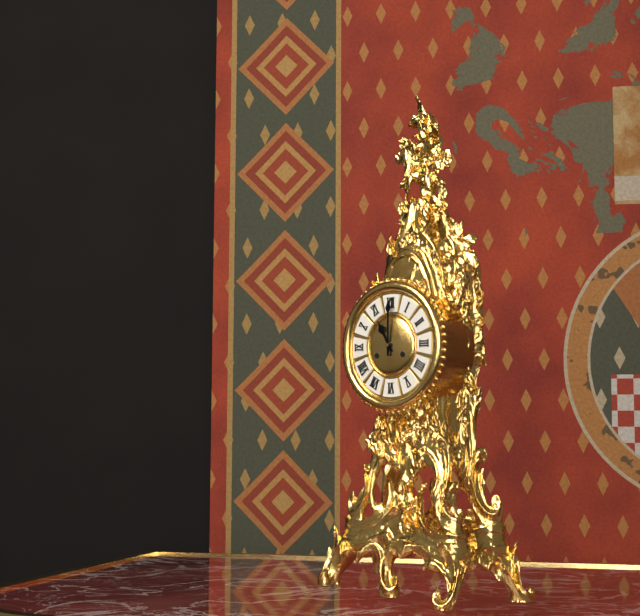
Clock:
11:00
